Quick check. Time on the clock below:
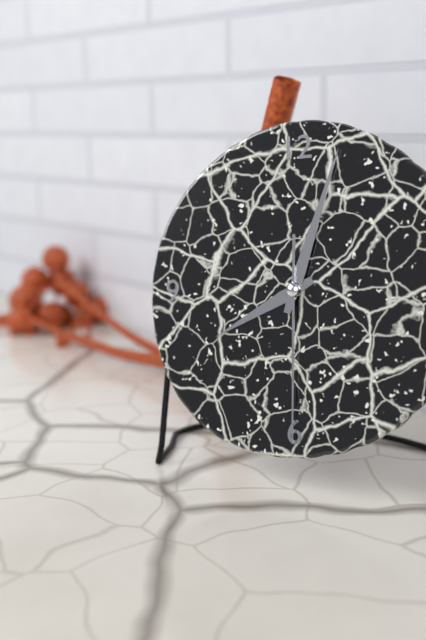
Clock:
8:03:30
